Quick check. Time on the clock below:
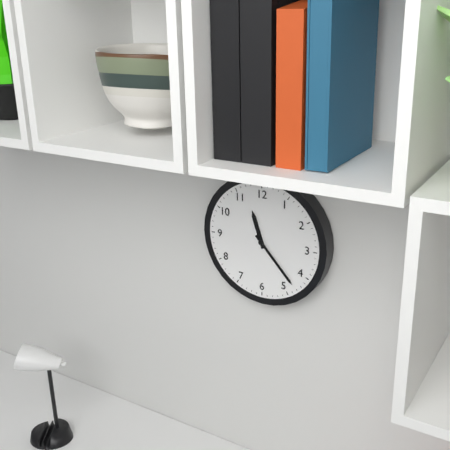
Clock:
11:23
